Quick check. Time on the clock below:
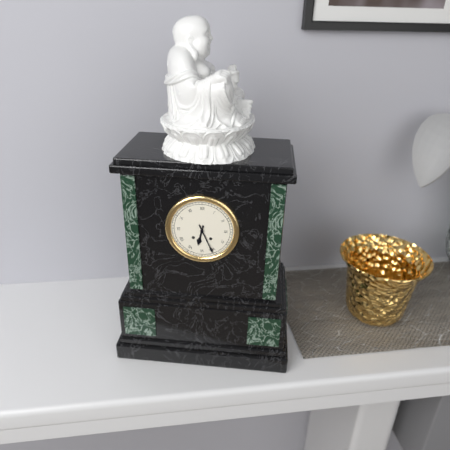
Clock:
6:26
